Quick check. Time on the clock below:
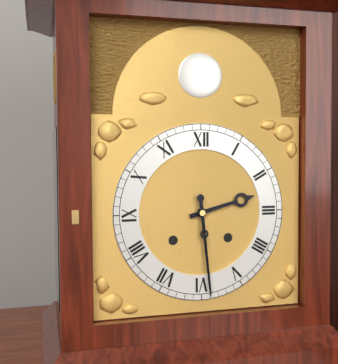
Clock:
2:29
